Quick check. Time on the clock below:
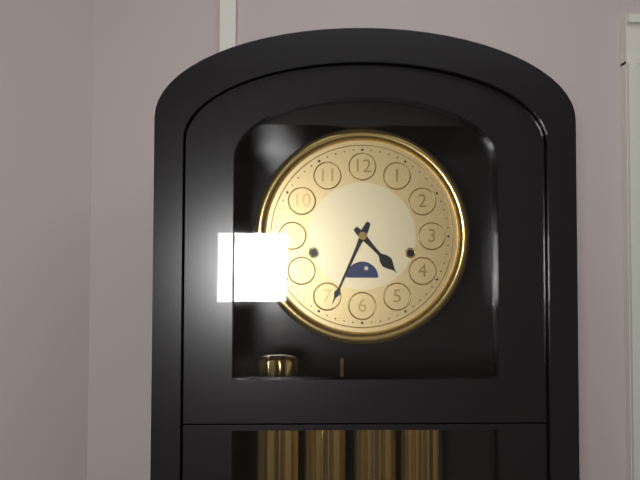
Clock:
4:34
